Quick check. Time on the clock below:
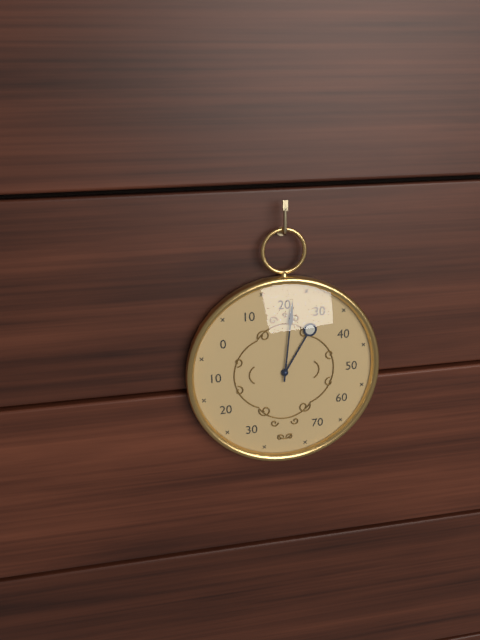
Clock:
1:01
